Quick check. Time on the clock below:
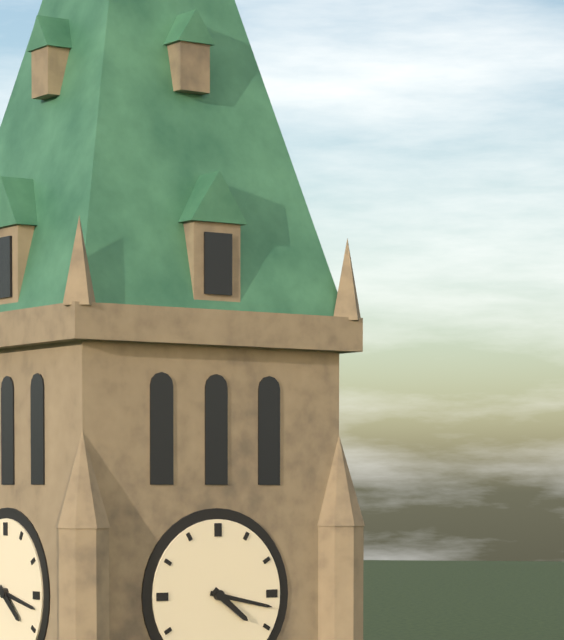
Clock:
4:17
